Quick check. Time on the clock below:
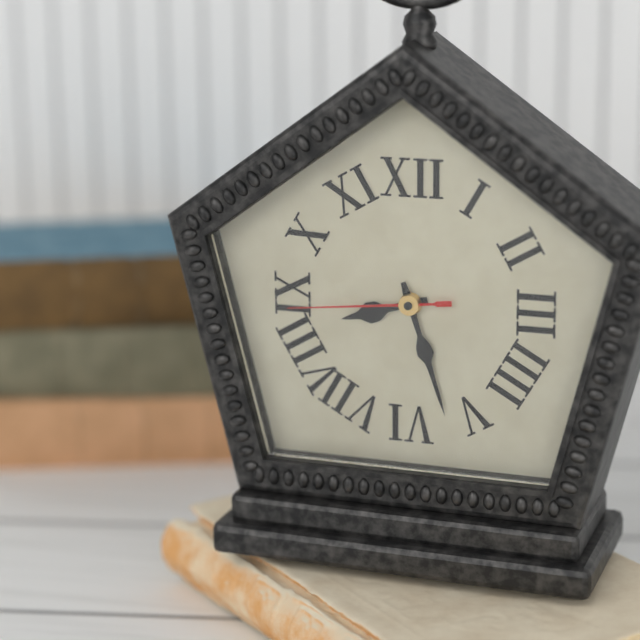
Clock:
8:27:44
